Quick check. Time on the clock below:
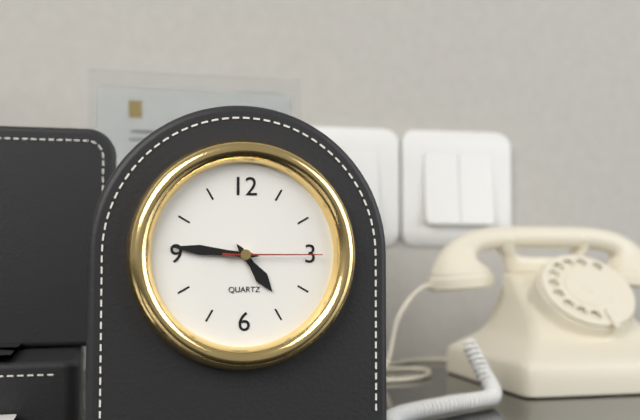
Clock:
4:46:15
